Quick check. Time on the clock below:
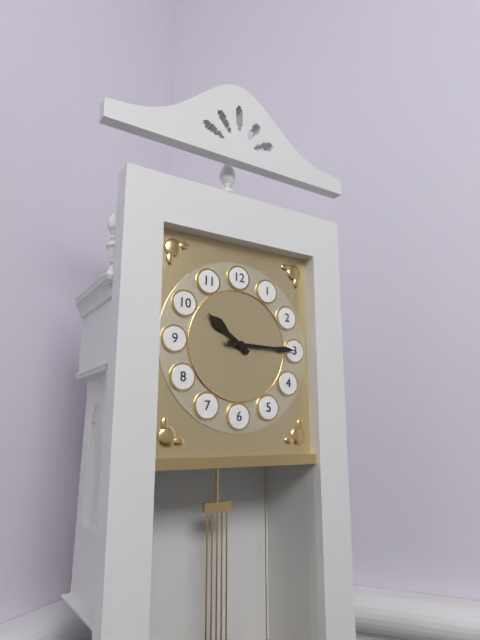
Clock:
10:15
